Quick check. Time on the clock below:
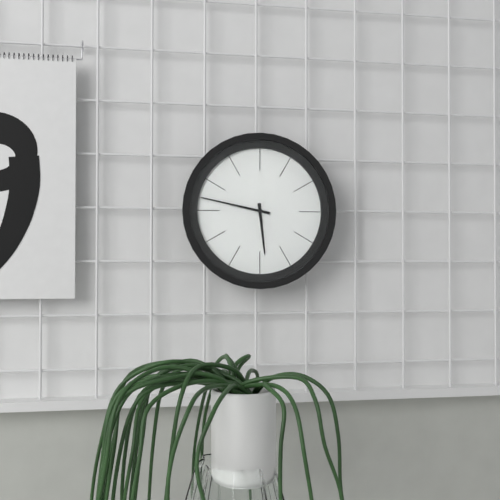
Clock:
5:47
